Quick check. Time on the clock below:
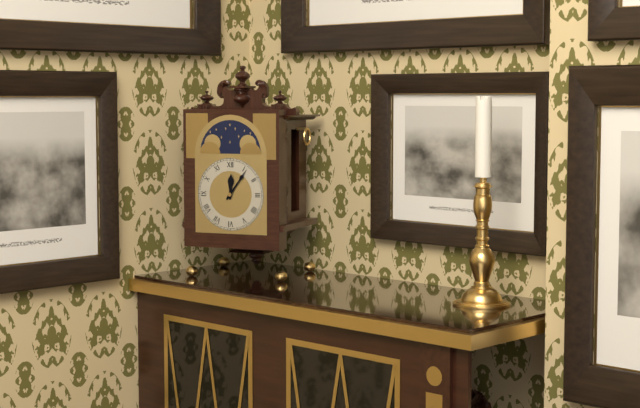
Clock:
12:06
